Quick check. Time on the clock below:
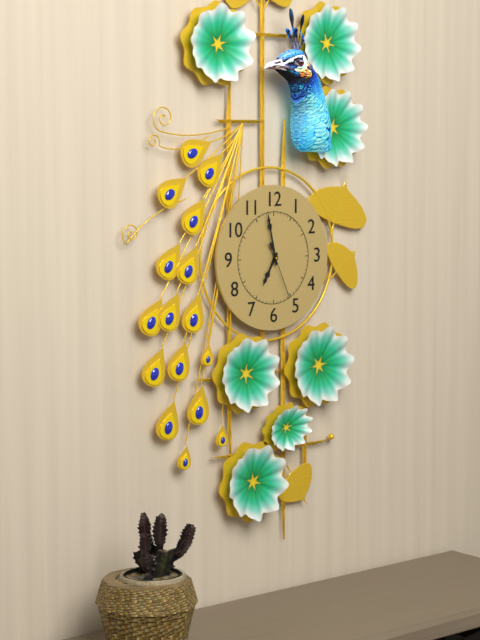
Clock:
6:58:26
